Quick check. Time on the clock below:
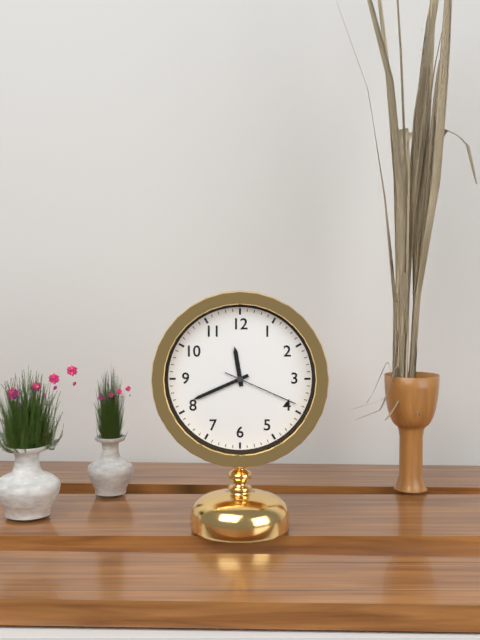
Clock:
11:41:19
